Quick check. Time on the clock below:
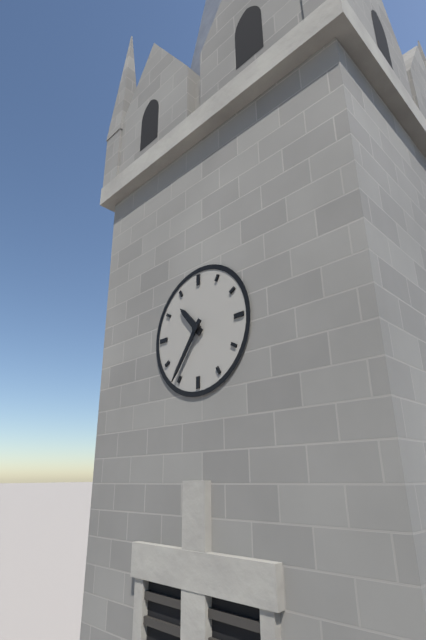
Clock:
10:36
